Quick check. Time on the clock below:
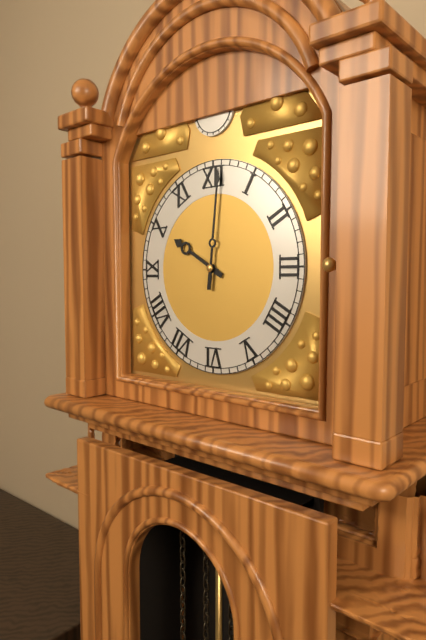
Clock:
10:01
